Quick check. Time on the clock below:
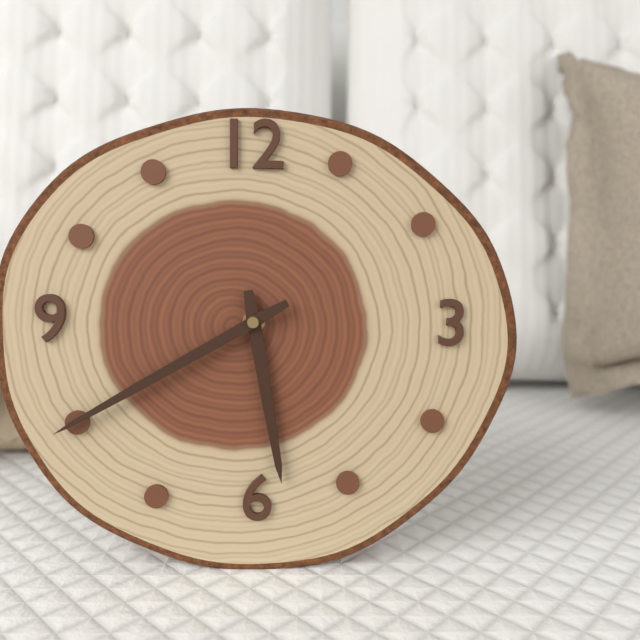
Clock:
5:40
